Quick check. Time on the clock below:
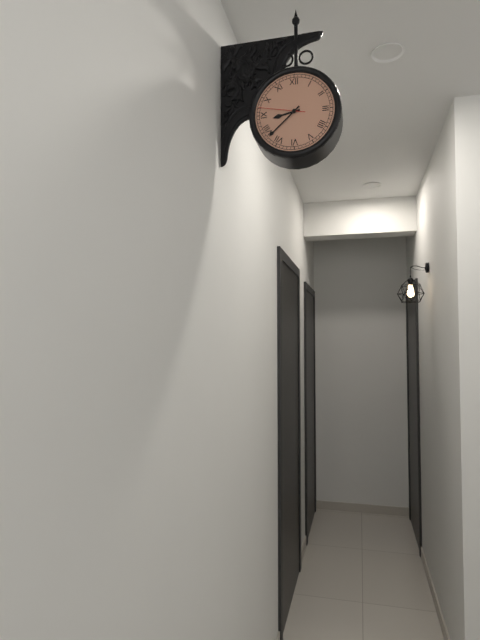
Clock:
8:38:47
